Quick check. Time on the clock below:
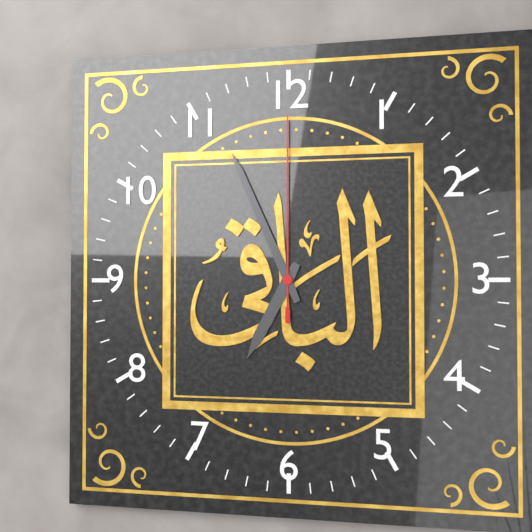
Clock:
6:56:00
